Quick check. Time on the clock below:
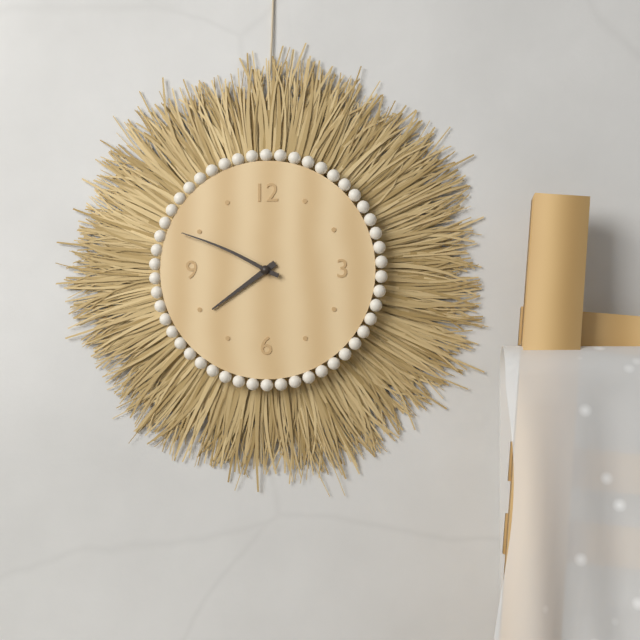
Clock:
7:49
